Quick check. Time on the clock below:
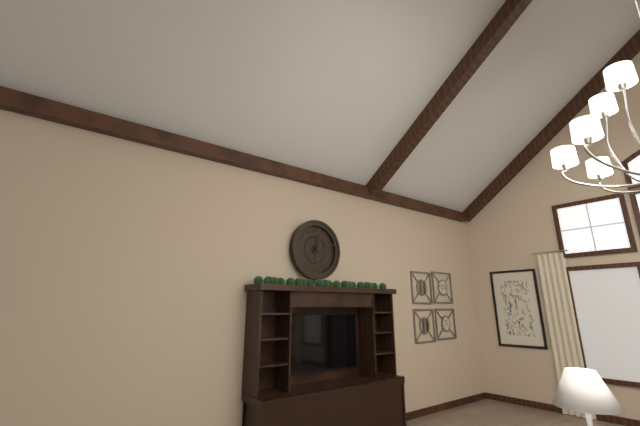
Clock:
12:12
